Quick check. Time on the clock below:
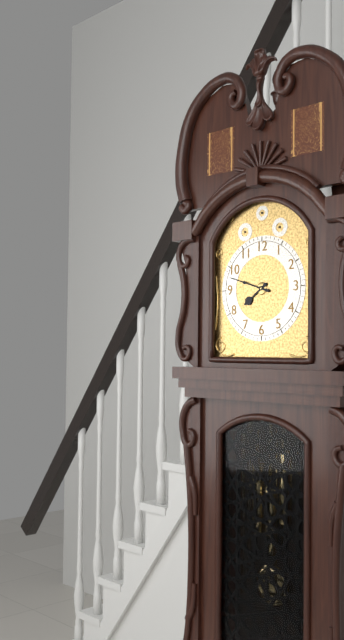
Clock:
7:48
